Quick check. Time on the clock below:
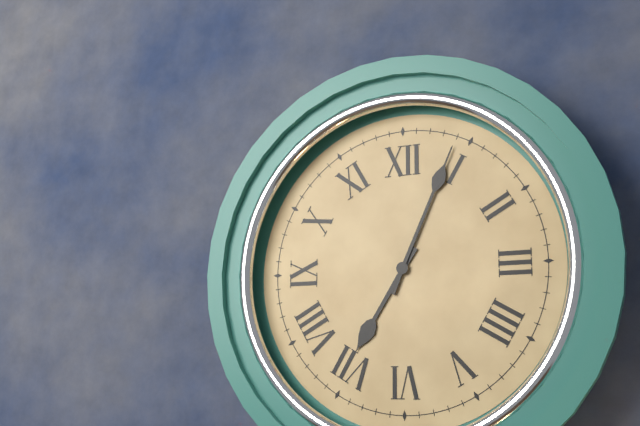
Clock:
7:04
